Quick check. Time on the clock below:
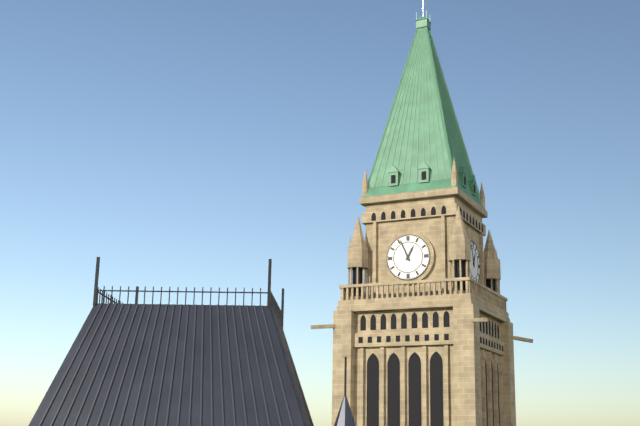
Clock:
12:56
